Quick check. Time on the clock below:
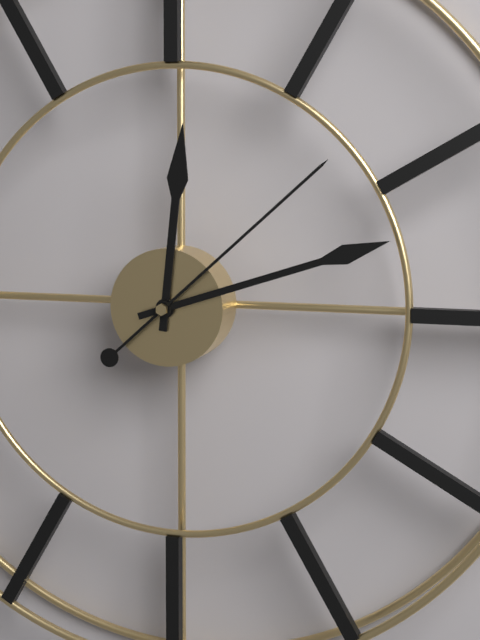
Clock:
12:12:08
